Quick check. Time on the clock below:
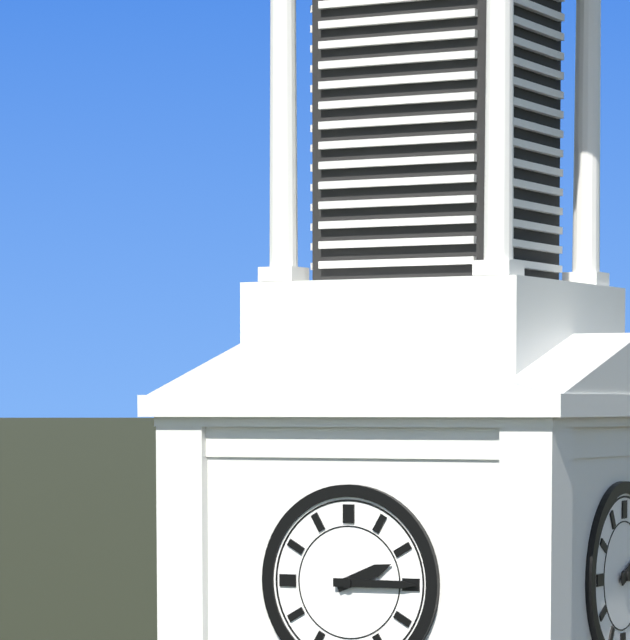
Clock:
2:15
